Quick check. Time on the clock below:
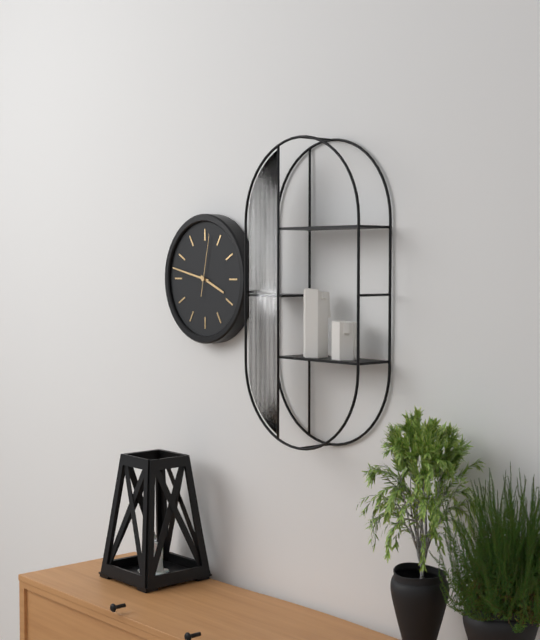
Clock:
3:47:02
